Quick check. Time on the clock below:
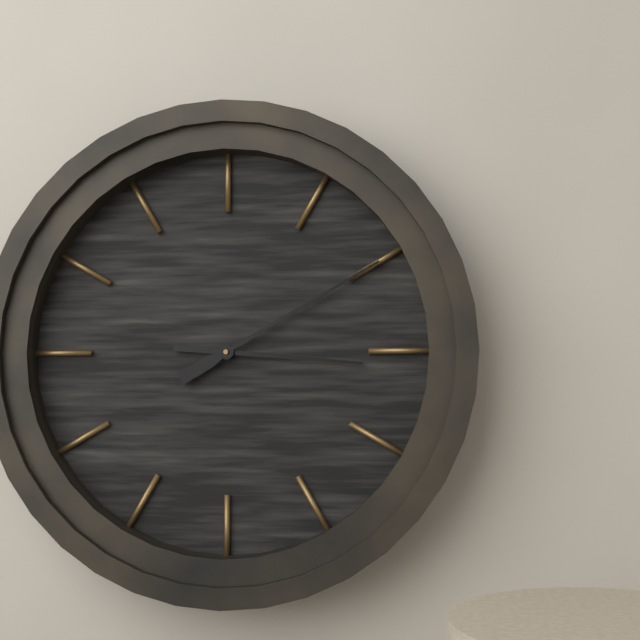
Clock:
3:10
